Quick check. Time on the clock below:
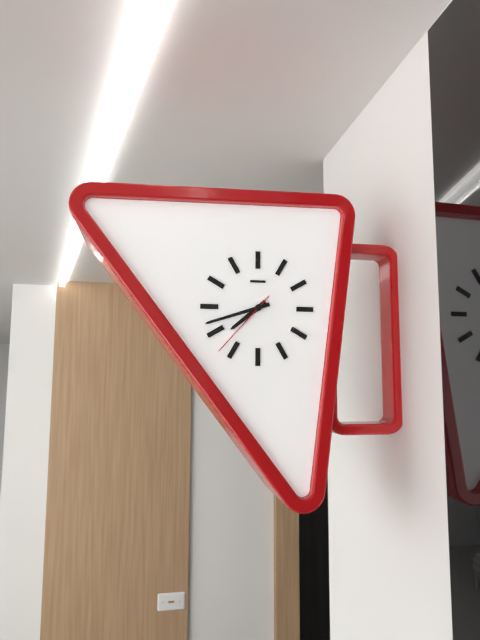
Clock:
7:42:37
